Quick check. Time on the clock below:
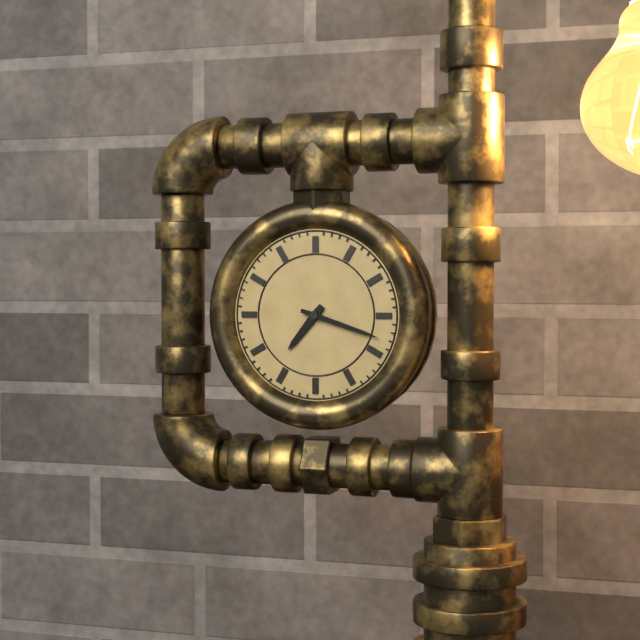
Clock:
7:18
